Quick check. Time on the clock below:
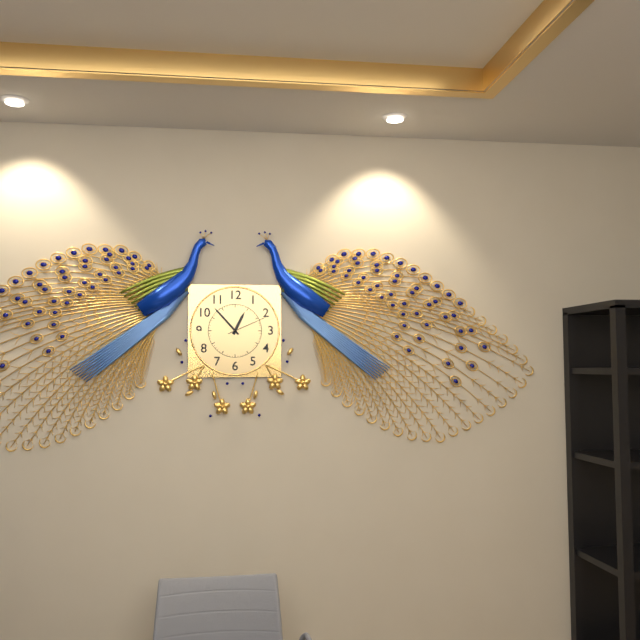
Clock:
12:53
